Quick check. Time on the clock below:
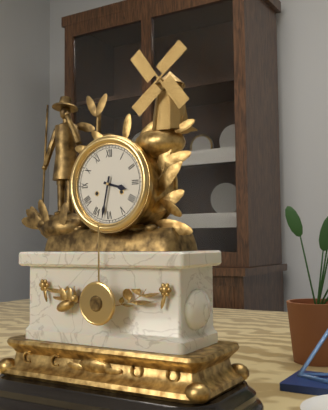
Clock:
3:32
